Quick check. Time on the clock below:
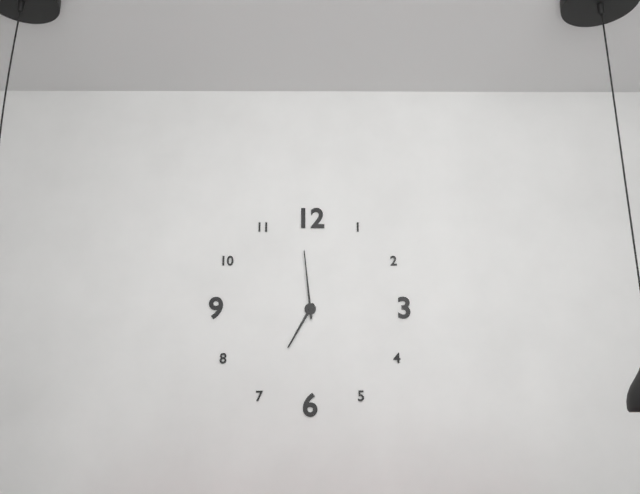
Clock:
6:59
